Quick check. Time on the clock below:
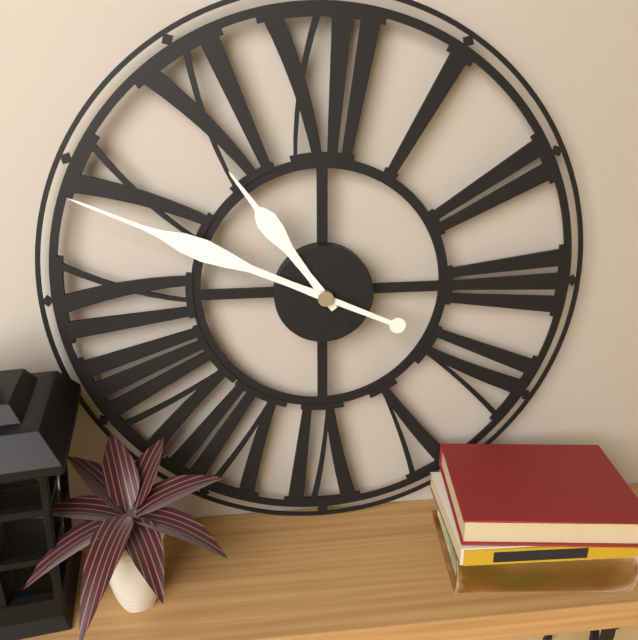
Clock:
10:49
